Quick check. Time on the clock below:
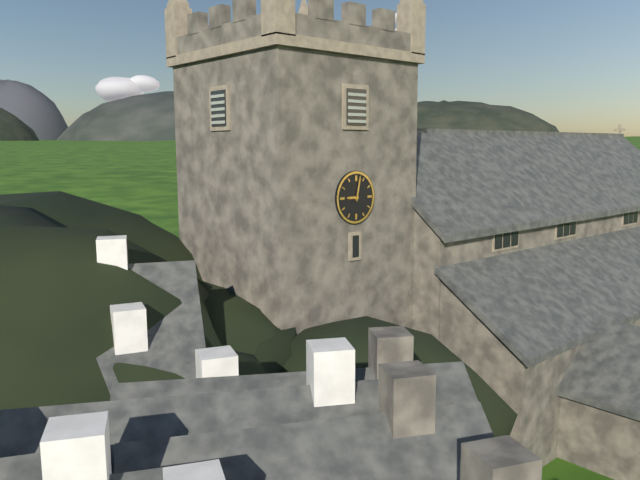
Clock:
9:02
